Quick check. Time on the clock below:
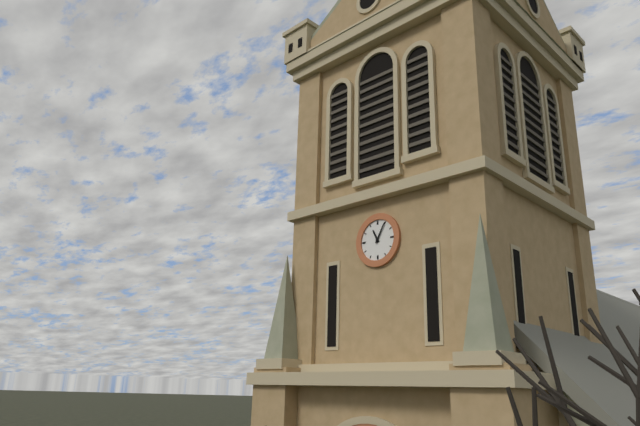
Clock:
11:05
